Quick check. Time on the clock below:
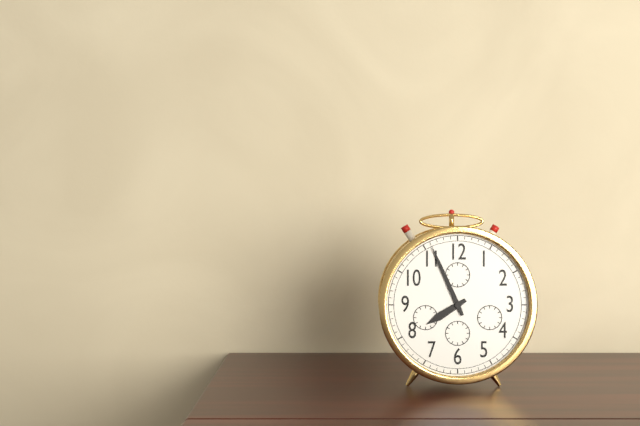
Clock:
7:56
